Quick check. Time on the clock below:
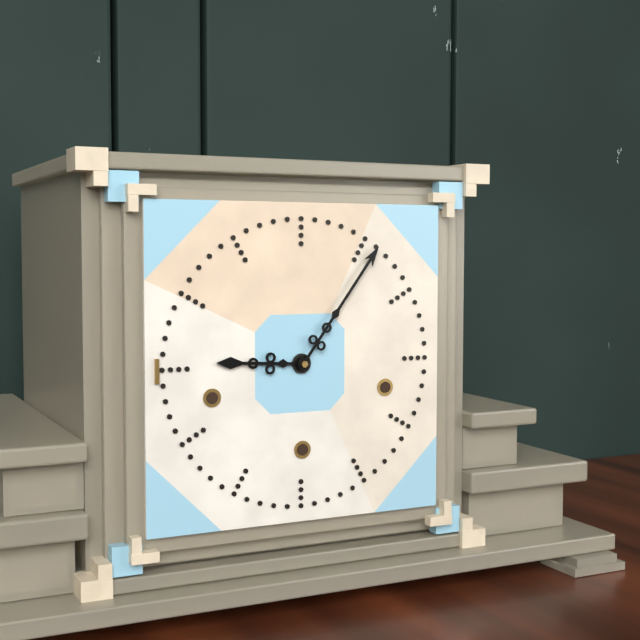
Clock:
9:06
